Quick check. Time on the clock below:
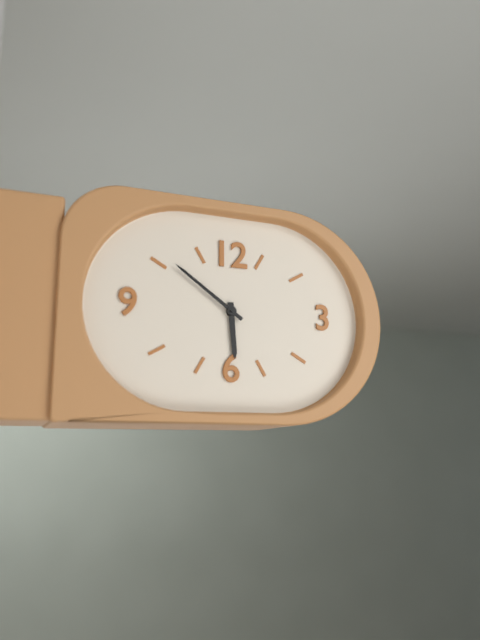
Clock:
5:51
